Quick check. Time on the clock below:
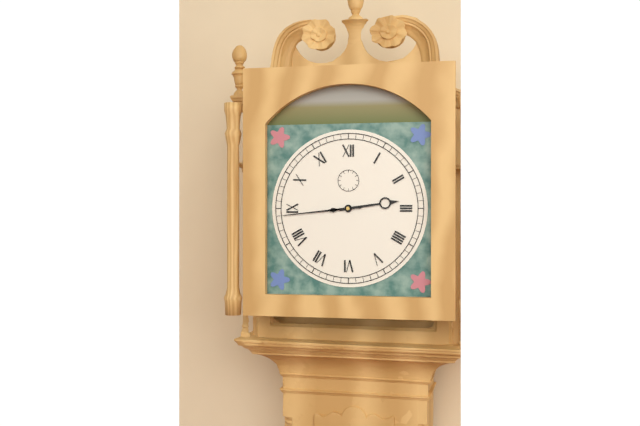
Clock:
2:44
